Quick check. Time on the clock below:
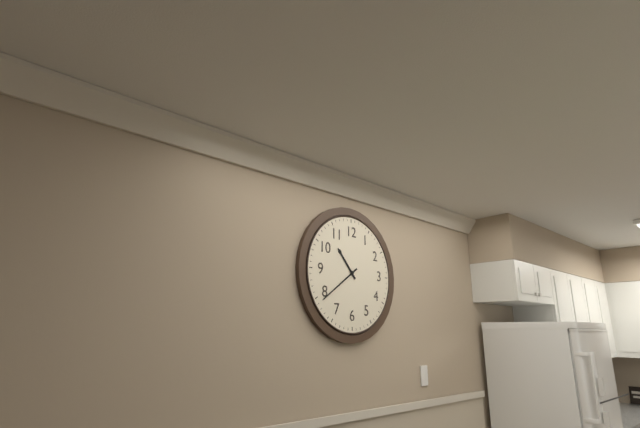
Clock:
10:39
